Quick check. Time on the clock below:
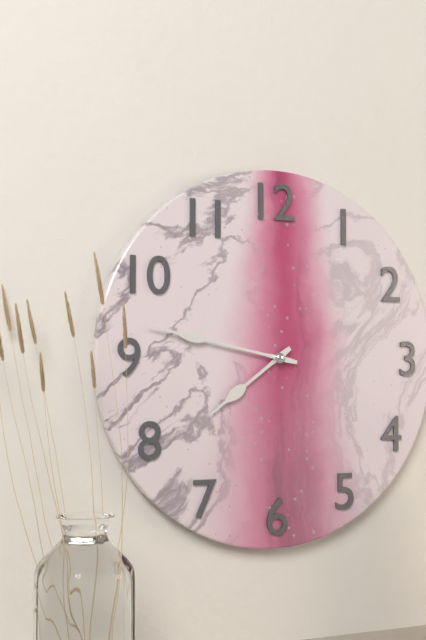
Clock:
7:47
